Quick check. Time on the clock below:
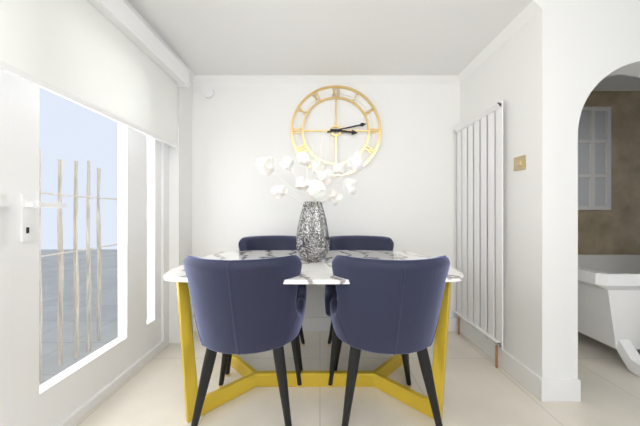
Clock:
3:13
